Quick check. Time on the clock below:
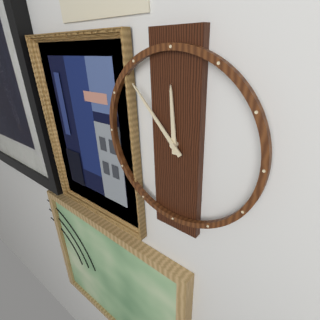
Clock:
11:53
